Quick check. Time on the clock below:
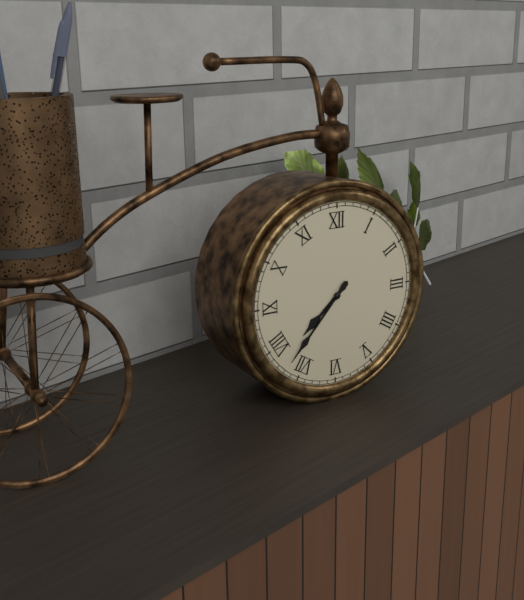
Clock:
7:37
